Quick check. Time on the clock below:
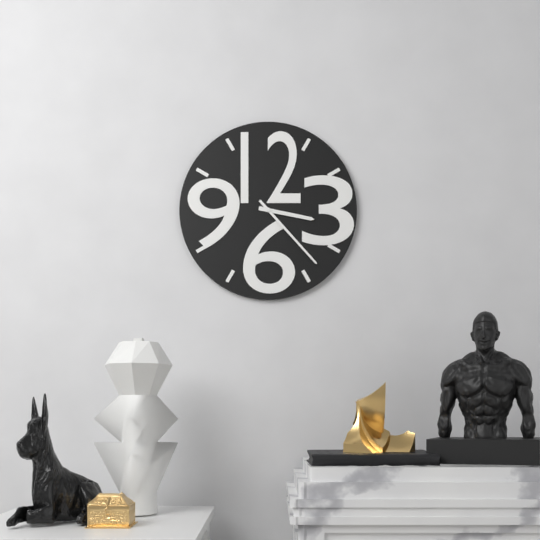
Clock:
3:23
